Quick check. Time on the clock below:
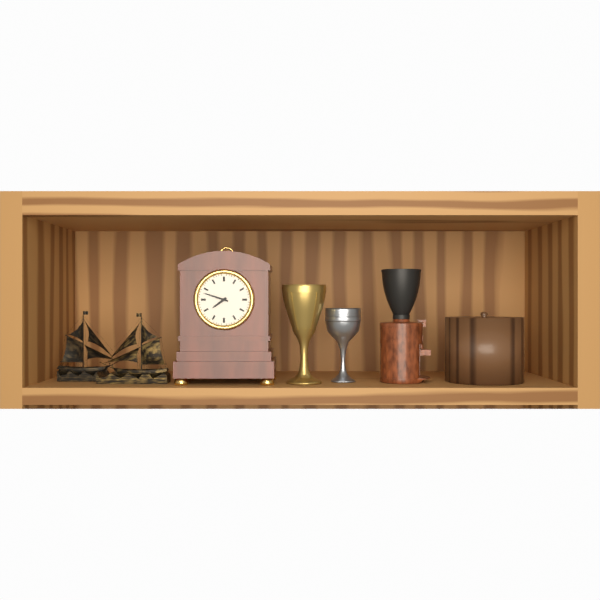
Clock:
7:48
